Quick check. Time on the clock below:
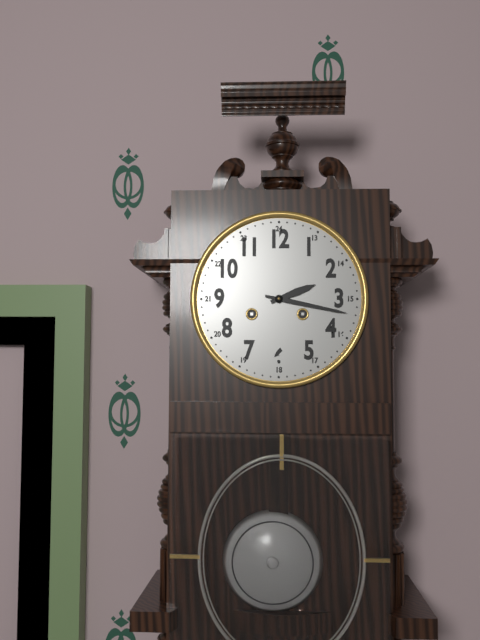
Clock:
2:17
